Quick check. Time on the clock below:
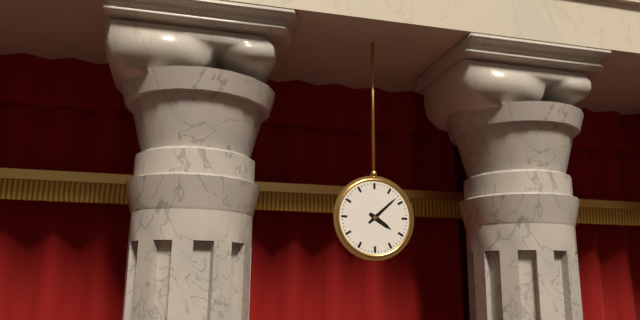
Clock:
4:08
